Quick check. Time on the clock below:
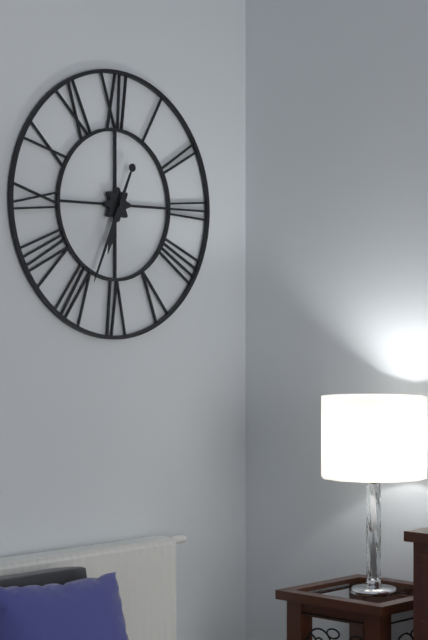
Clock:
6:34
